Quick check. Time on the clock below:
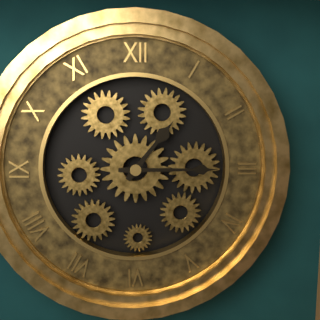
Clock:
1:15
